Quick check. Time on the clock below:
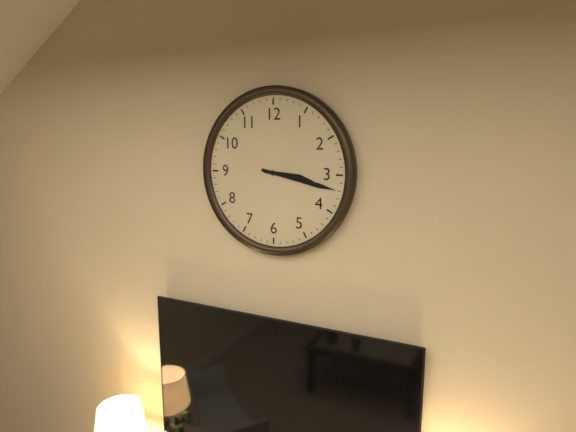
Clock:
3:17
